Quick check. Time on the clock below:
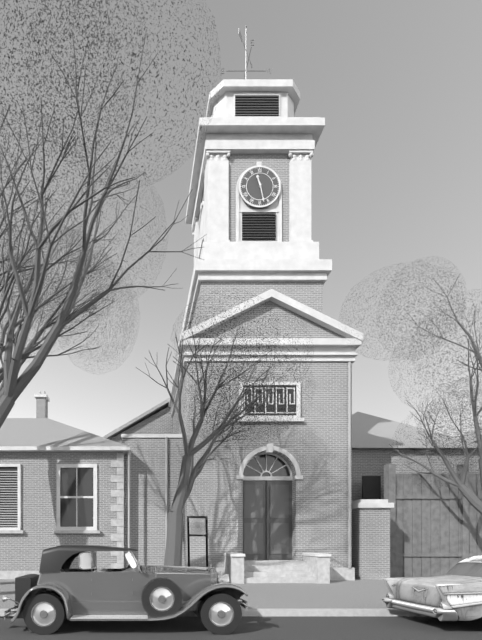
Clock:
11:28
